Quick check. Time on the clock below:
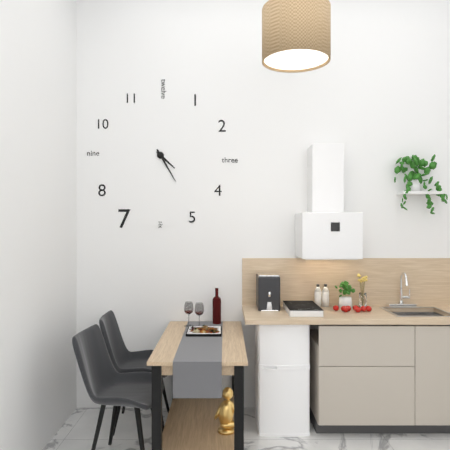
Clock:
4:25
